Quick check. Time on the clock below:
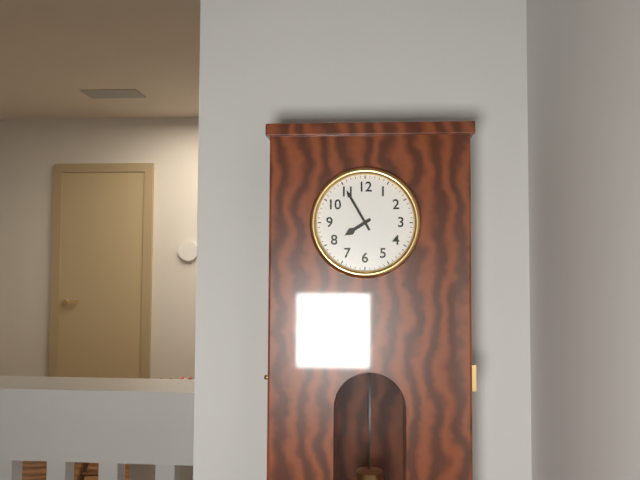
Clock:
7:55
